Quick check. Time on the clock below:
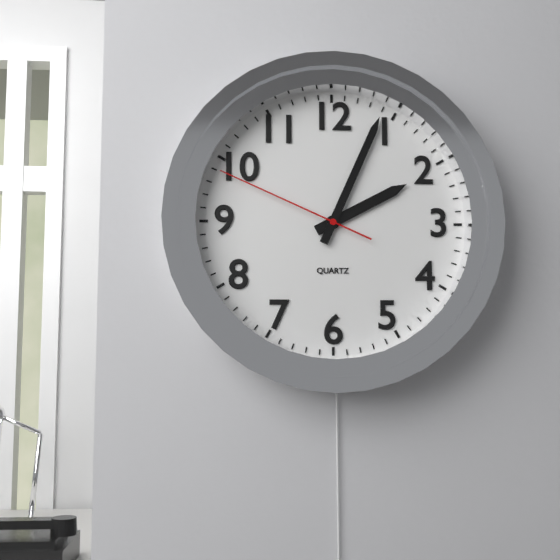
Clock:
2:04:49
